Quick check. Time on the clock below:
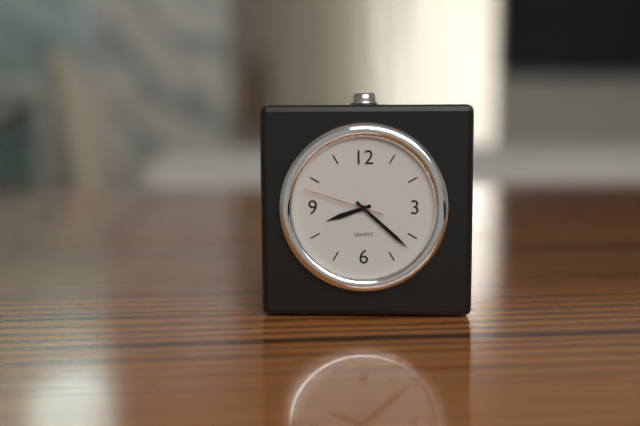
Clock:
8:22:48
